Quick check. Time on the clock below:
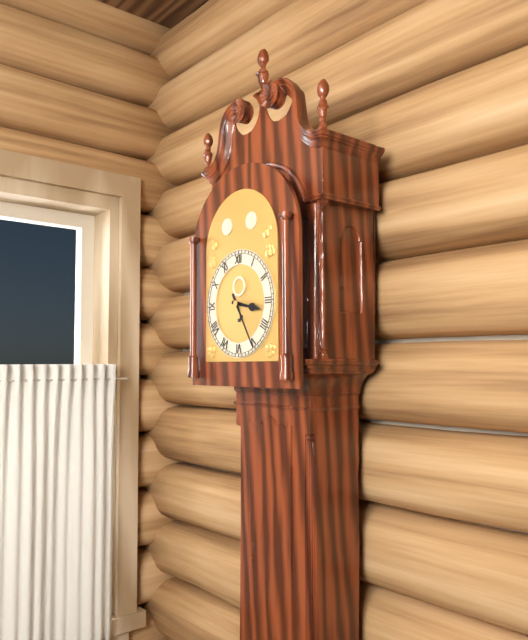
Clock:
3:25
